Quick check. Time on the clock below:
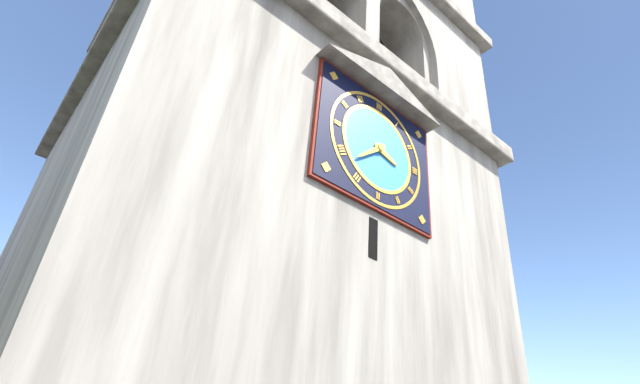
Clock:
3:38
